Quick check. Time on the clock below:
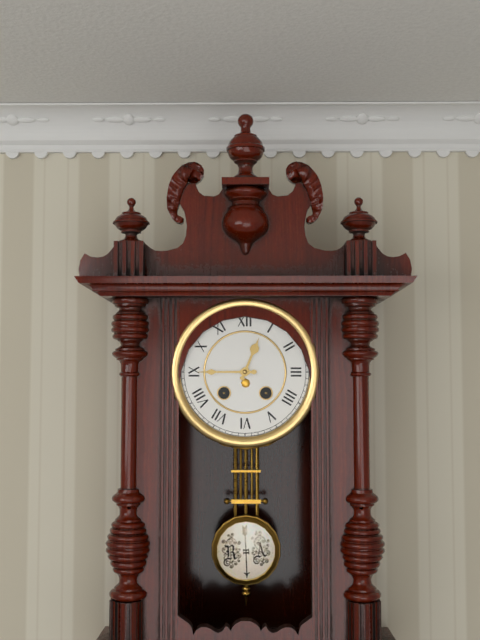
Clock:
12:45
